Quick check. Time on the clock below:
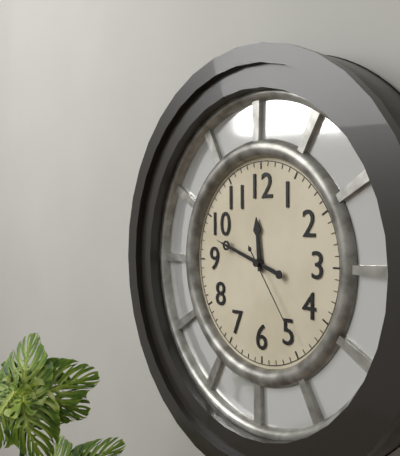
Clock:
11:48:24
